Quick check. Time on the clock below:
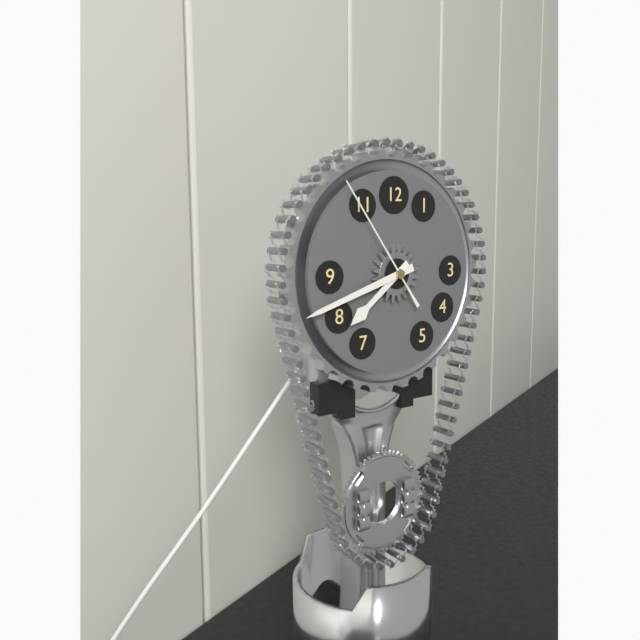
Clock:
7:42:54
